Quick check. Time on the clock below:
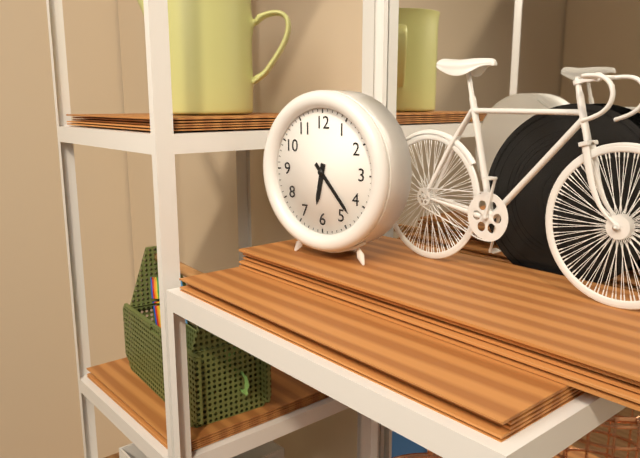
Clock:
6:23
